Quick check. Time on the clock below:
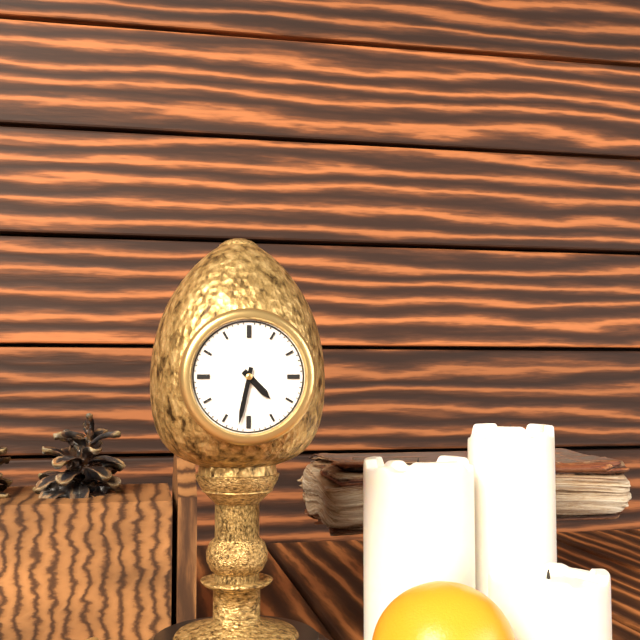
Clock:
4:32
